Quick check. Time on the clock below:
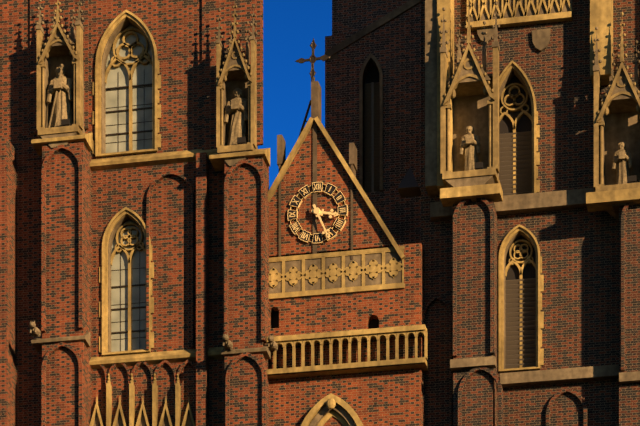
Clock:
3:26
